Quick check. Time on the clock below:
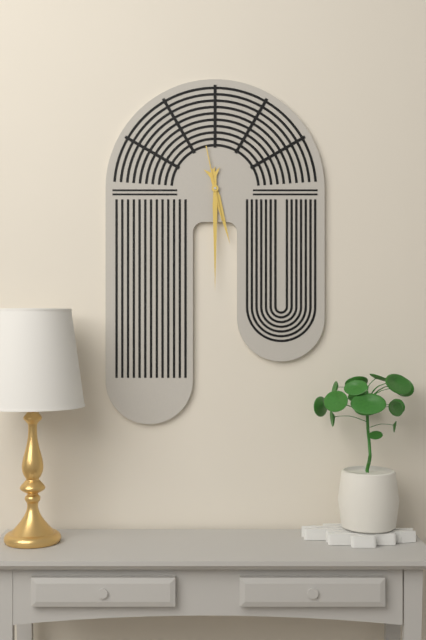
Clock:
5:30:58
